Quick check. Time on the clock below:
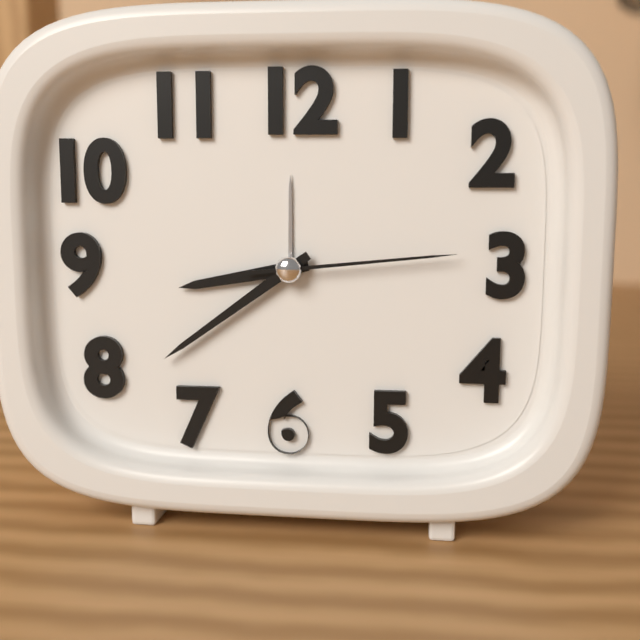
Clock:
8:39:14
